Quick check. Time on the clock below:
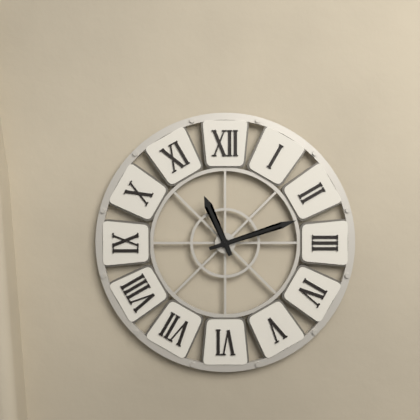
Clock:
11:12
